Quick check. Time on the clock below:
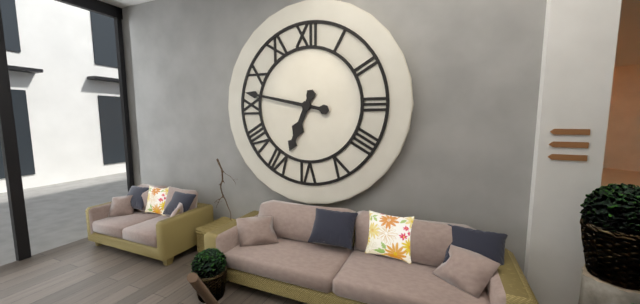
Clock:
6:47
